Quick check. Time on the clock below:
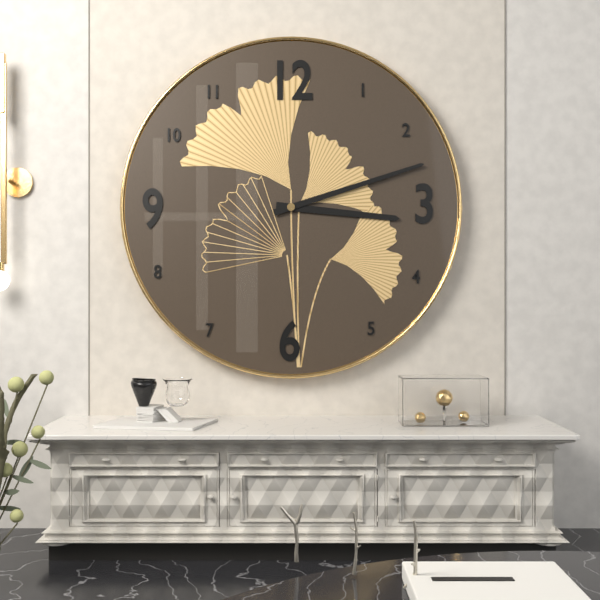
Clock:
3:12
